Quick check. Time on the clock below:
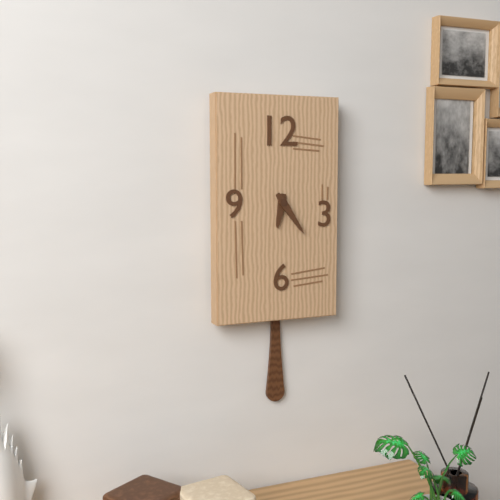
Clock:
6:24
